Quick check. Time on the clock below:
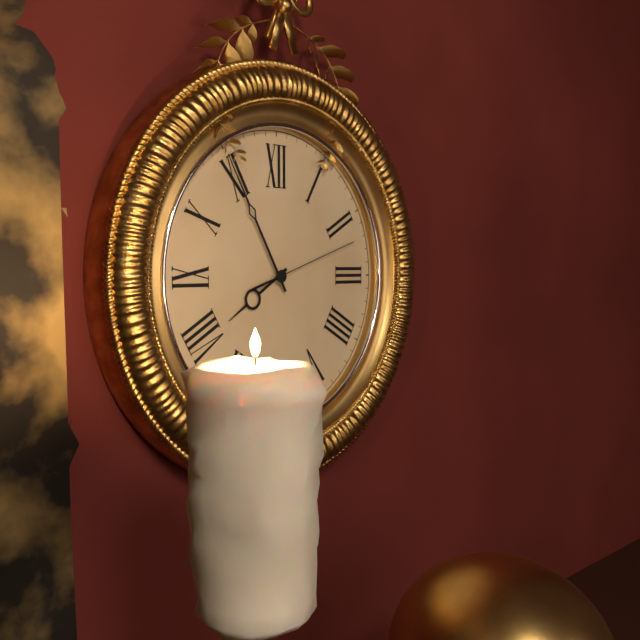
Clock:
7:55:12
